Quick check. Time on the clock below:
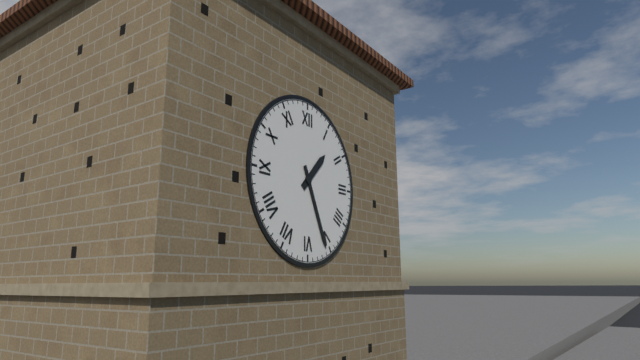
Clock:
1:26
